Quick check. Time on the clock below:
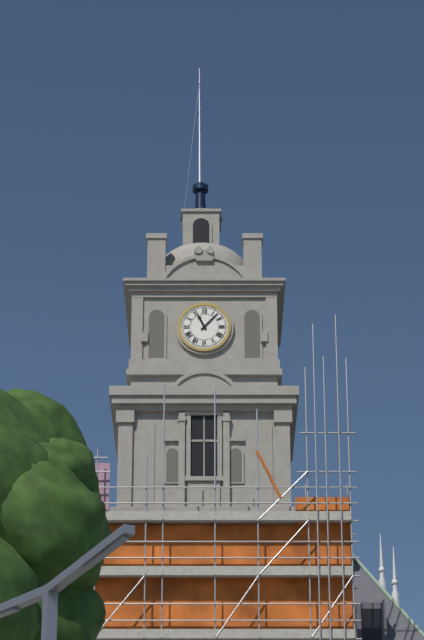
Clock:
11:07
